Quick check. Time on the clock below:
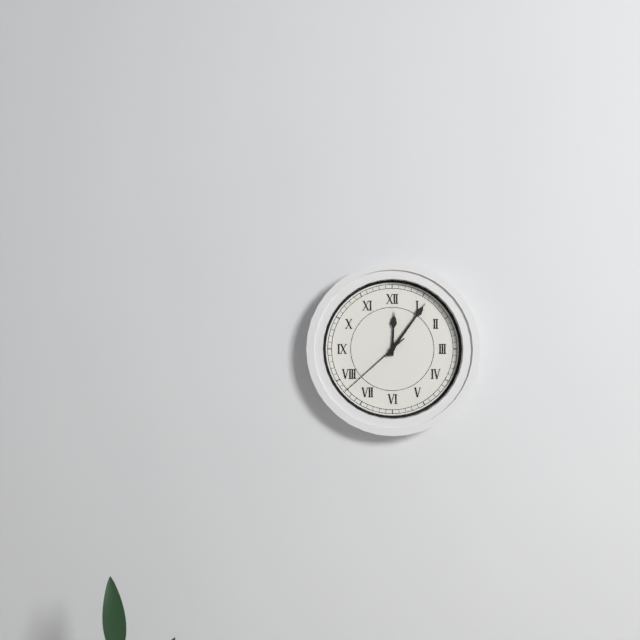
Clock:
12:06:38
